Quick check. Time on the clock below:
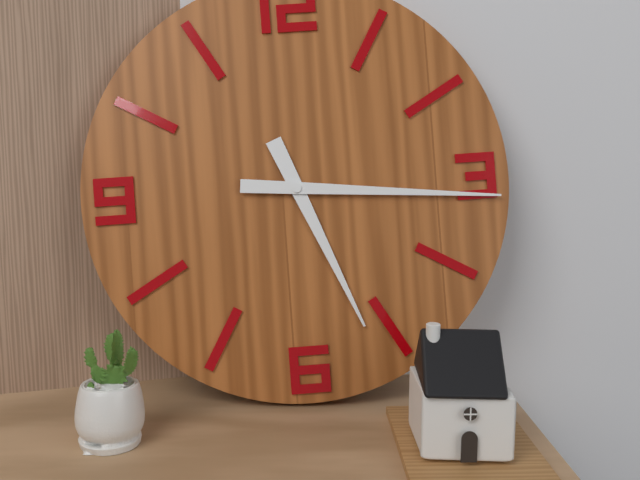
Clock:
5:16
